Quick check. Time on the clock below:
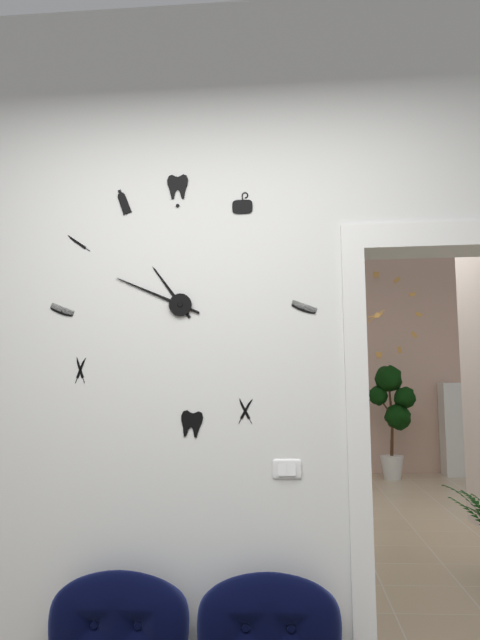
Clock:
10:49
